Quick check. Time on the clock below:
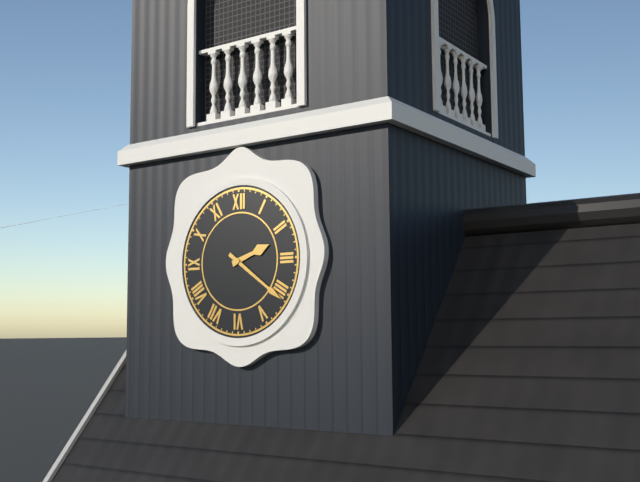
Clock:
2:21
